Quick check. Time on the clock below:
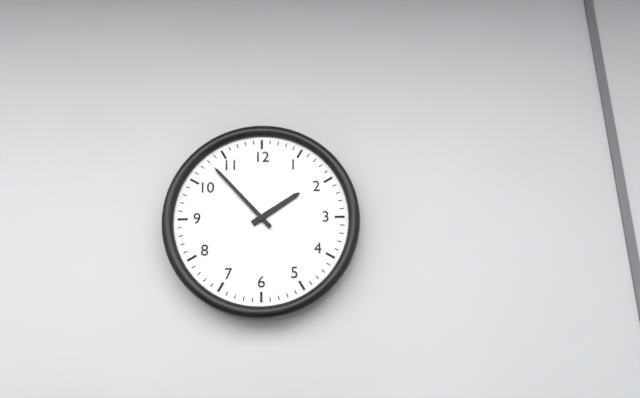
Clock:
1:53
